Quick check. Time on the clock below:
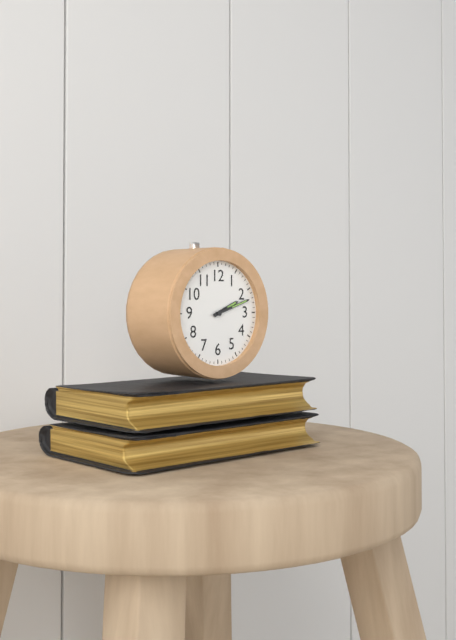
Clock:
2:12
